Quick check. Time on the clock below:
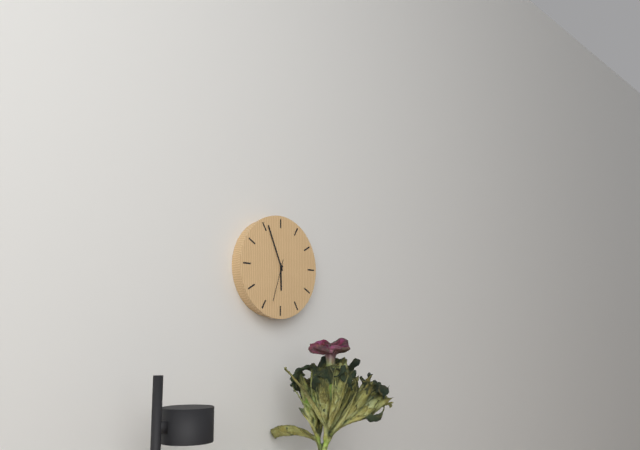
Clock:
5:56
